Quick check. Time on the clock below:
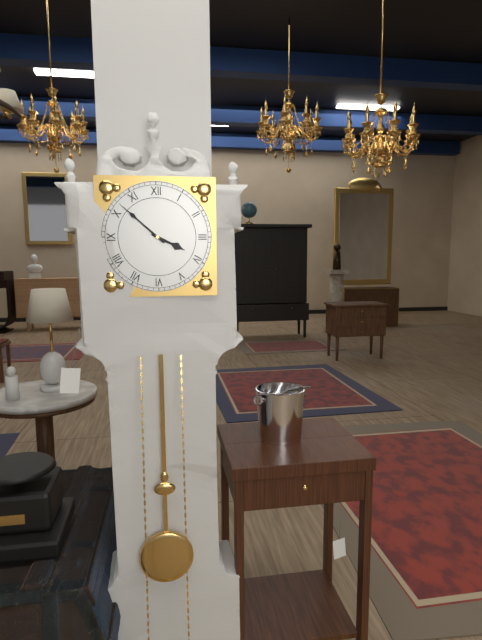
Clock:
3:52
